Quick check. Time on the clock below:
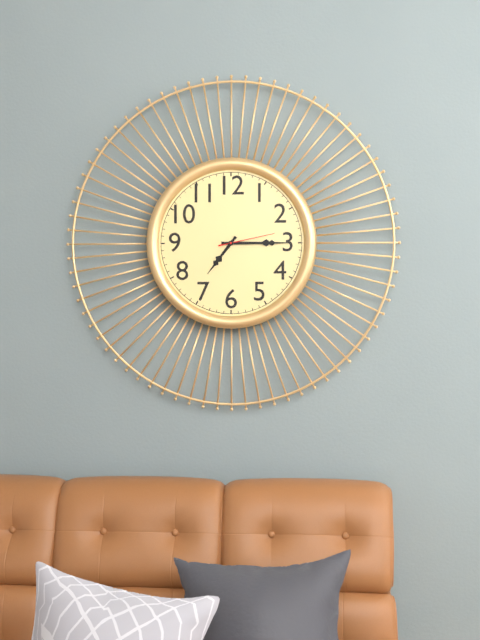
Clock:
7:15:13
